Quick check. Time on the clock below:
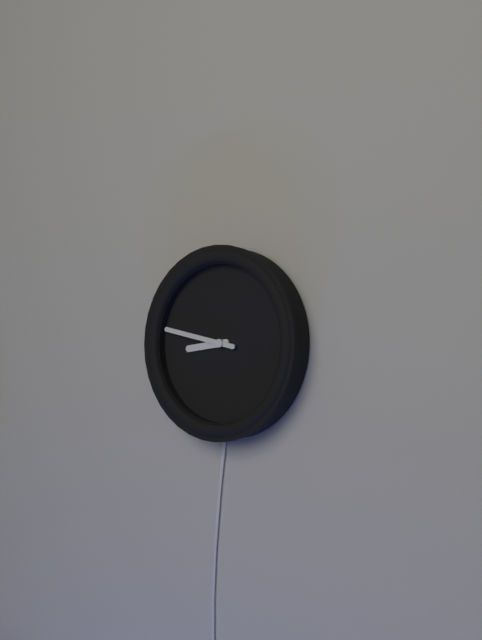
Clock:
8:47
